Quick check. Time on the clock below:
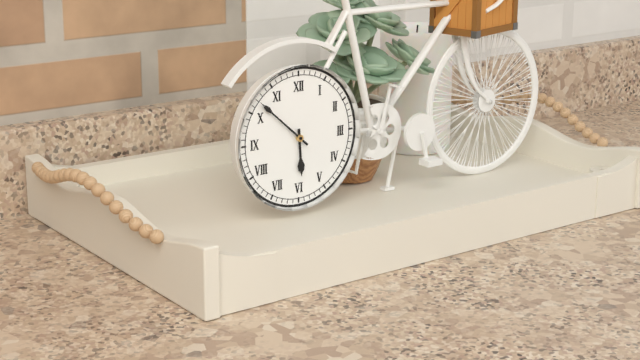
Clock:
5:52
